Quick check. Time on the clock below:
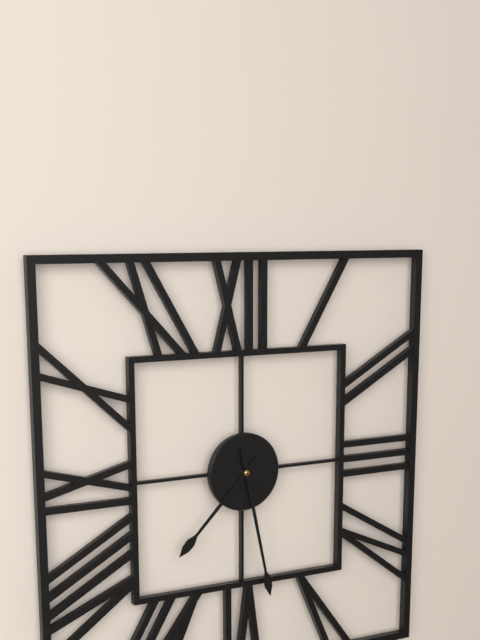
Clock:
7:28
